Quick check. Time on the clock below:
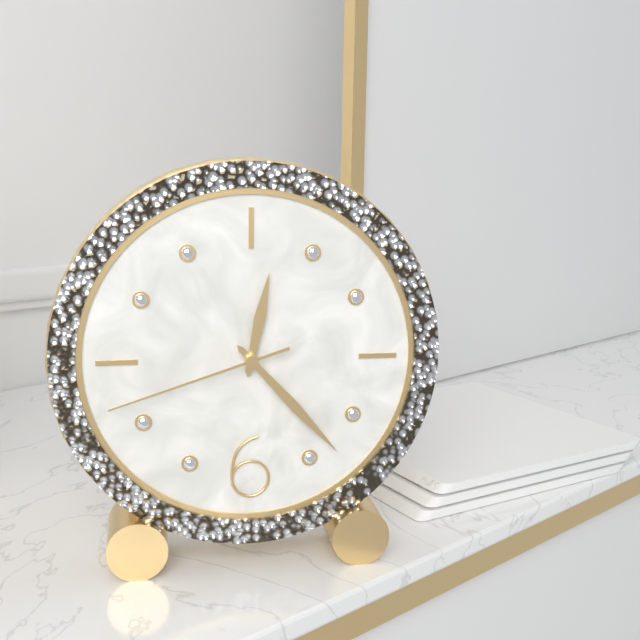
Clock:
12:23:42
